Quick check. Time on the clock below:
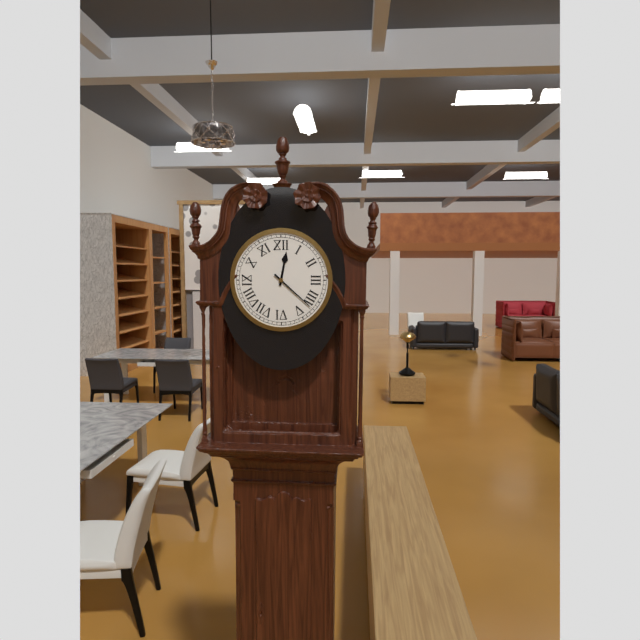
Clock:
12:22
